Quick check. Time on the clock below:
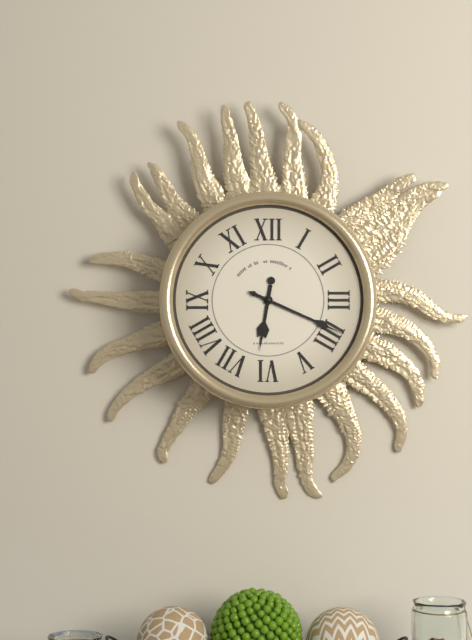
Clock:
6:19
